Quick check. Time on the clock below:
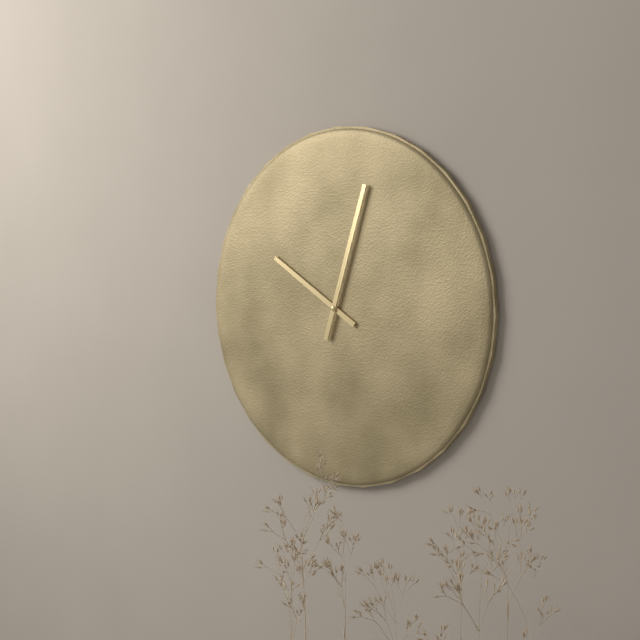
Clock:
10:03
